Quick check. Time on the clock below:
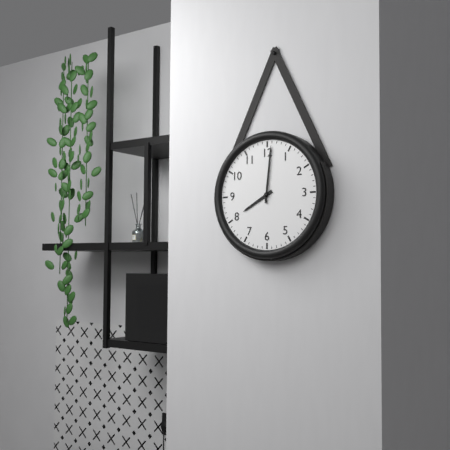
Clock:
8:01
